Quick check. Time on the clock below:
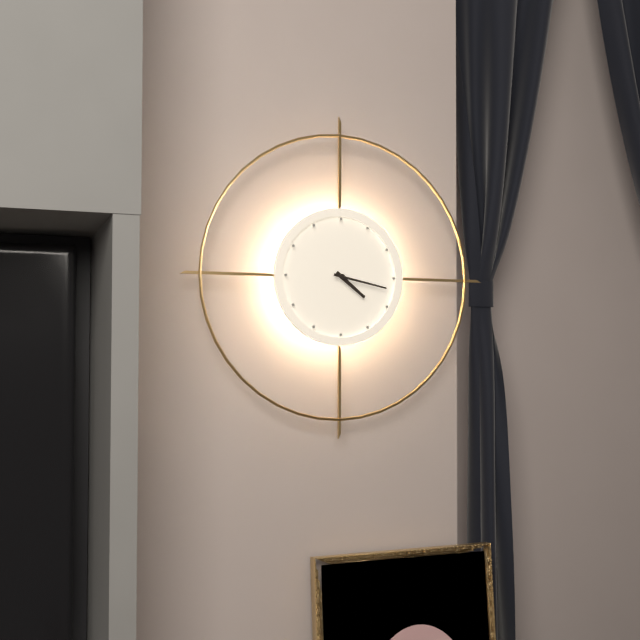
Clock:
4:17
